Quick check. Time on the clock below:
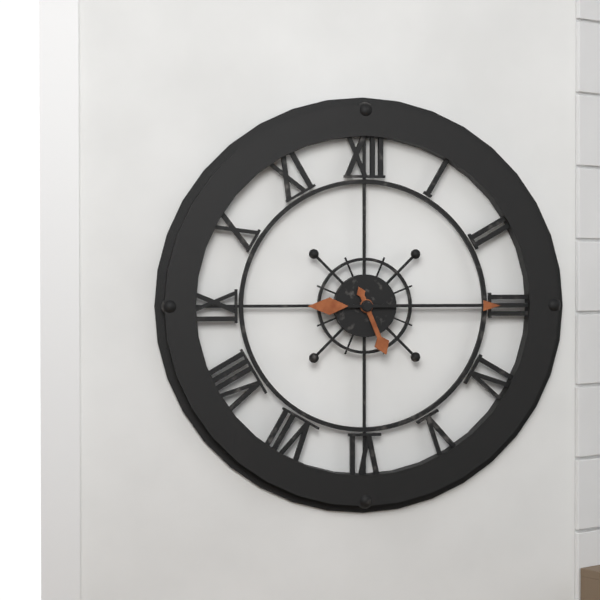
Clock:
5:15
